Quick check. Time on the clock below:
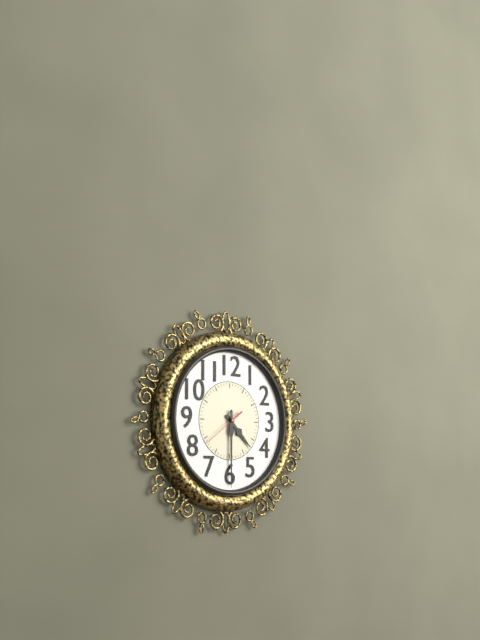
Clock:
4:30
